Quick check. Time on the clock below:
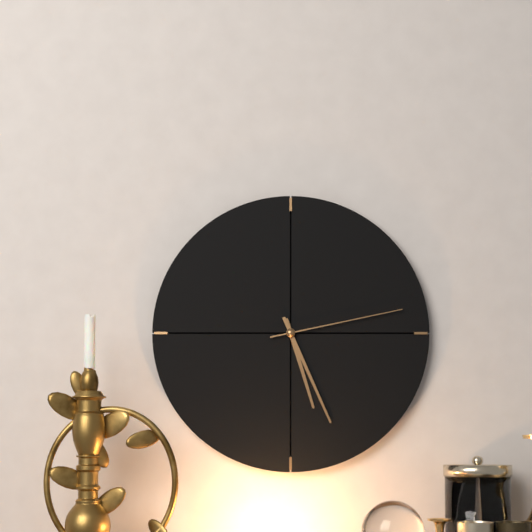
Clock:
5:26:13
